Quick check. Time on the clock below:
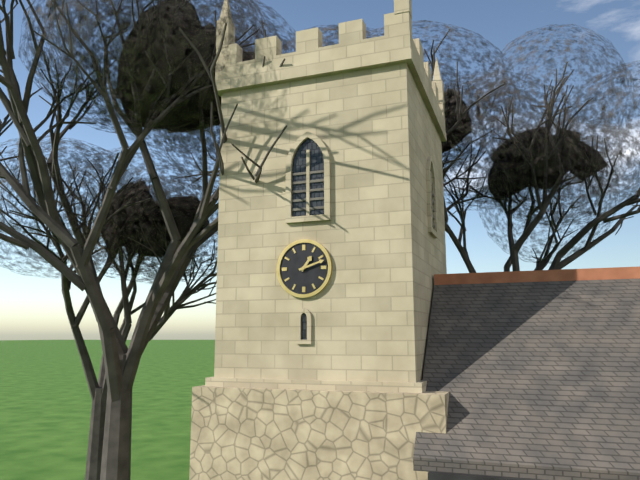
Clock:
1:12
